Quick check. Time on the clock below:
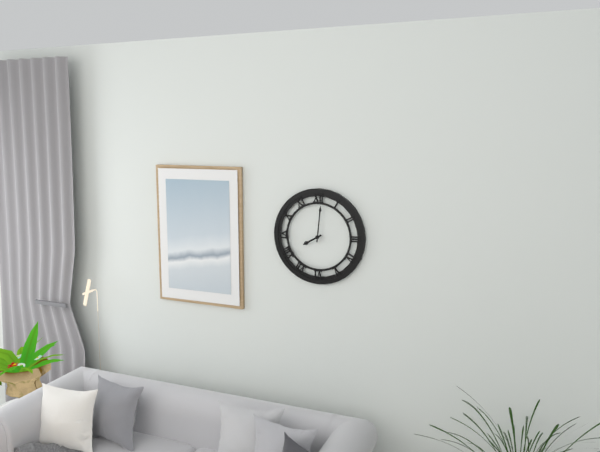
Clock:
8:01
